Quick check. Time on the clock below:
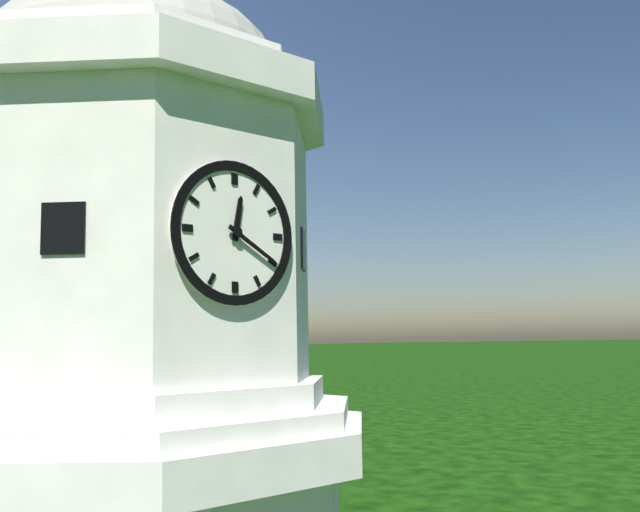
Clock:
12:20
